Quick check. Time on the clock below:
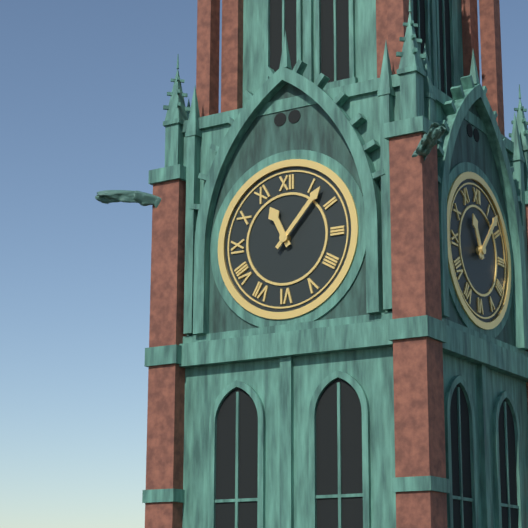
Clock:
11:07
